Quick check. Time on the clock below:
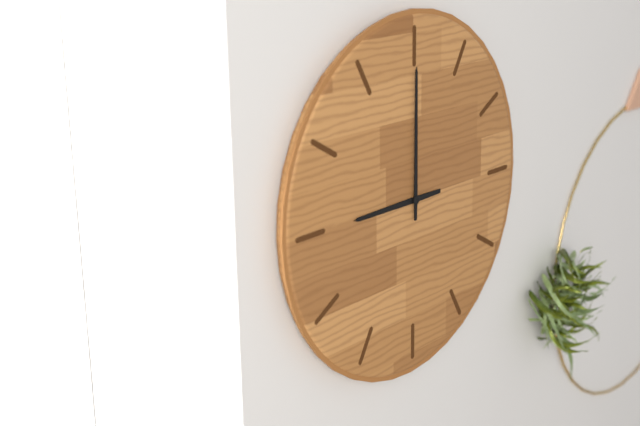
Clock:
9:00
